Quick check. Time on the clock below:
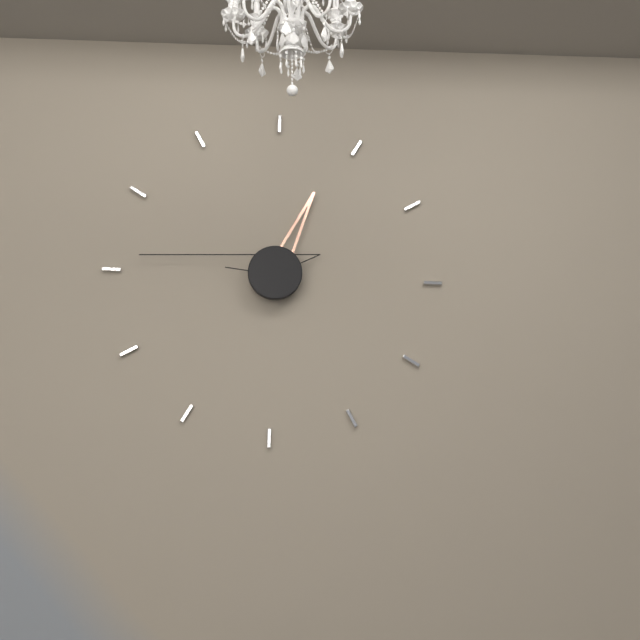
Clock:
12:46
